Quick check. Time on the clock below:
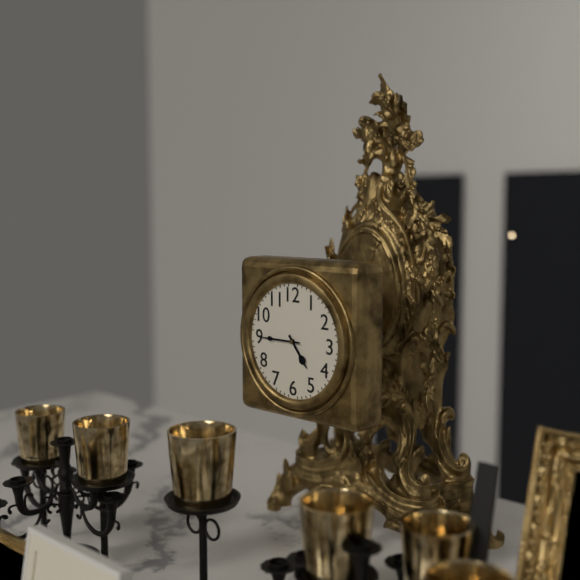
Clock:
4:45
